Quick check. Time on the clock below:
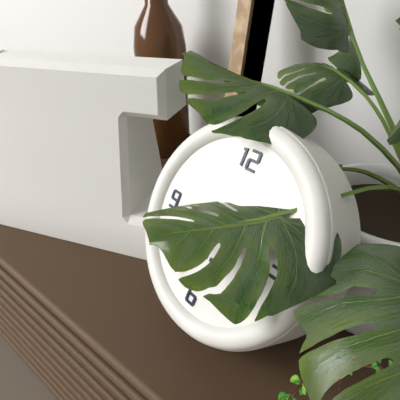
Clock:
1:34
